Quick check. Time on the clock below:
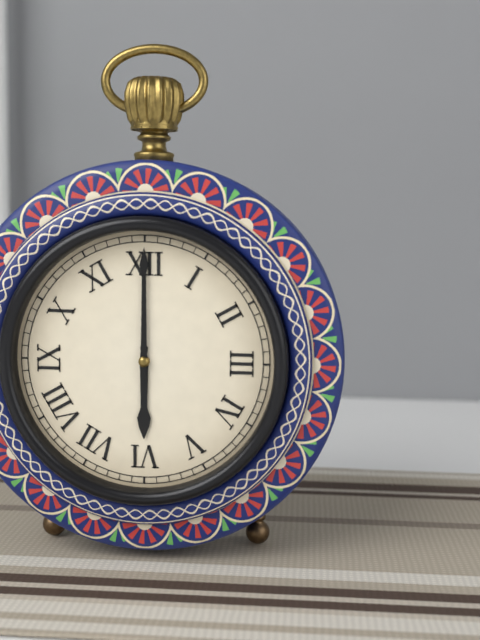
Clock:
6:00
